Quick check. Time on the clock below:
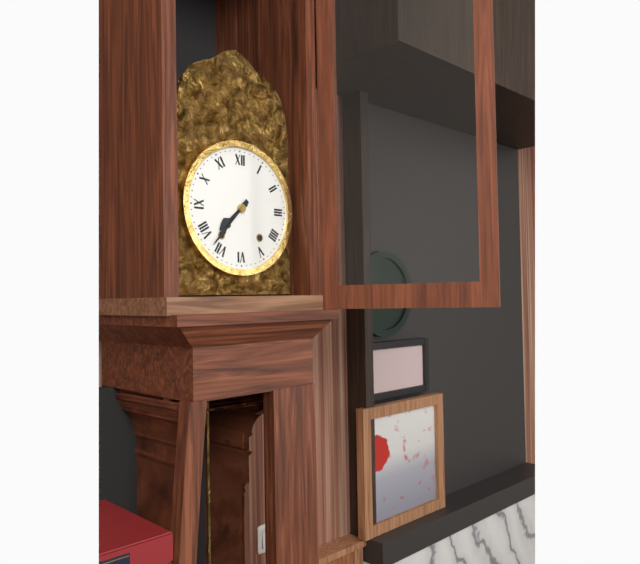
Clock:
7:37
